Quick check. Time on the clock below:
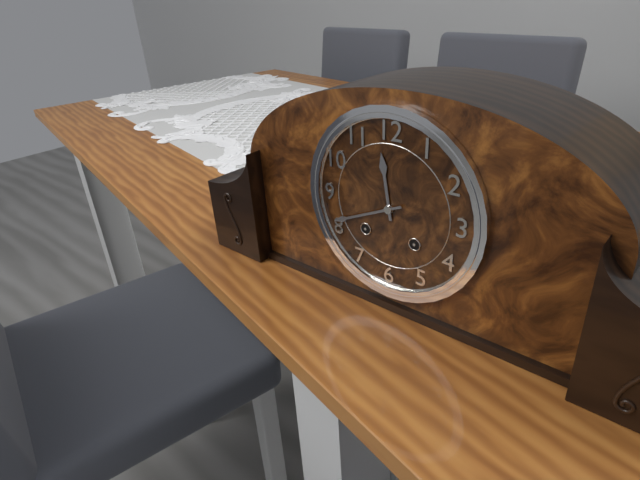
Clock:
11:41
